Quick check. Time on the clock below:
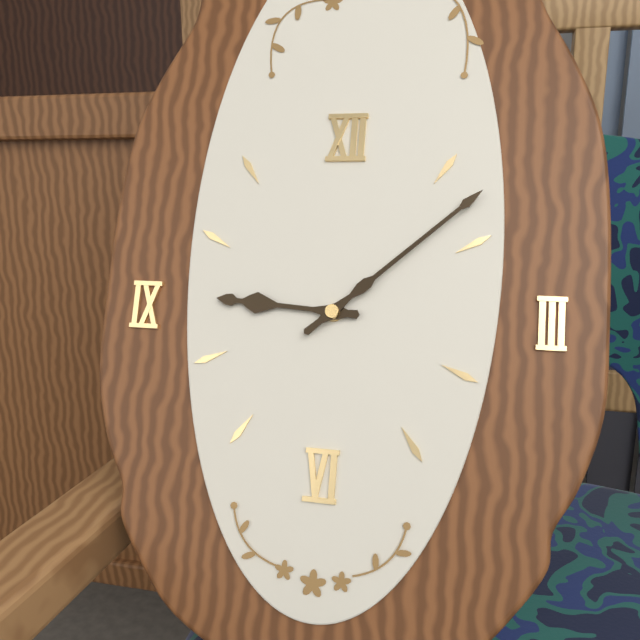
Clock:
9:08
